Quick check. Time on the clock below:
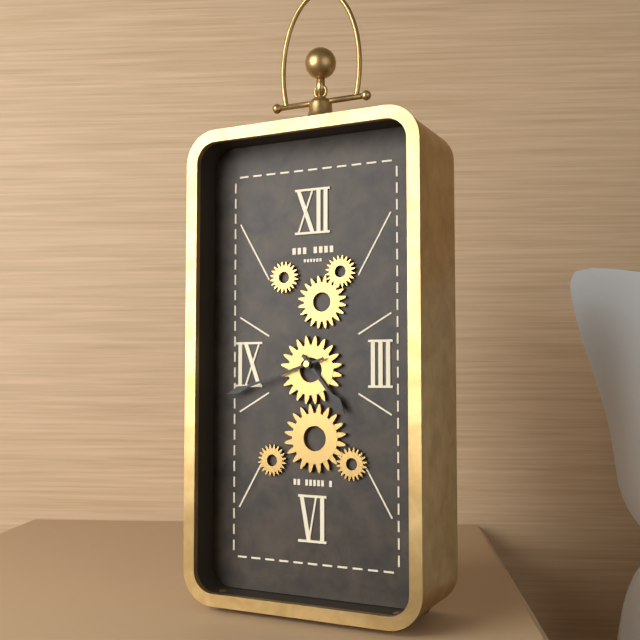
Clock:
4:42
